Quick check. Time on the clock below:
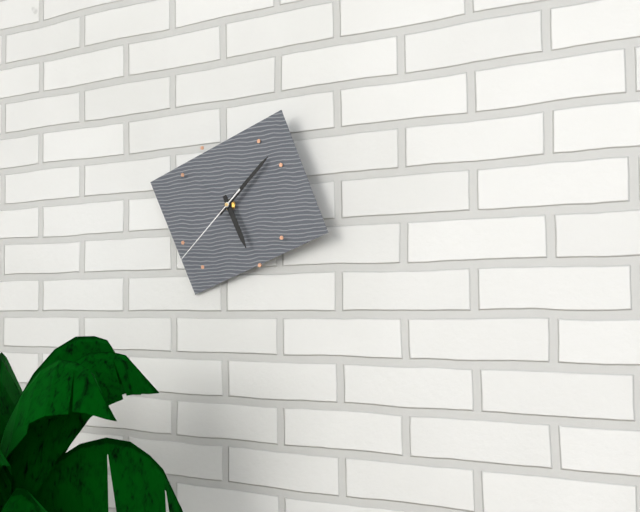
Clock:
5:08:38
